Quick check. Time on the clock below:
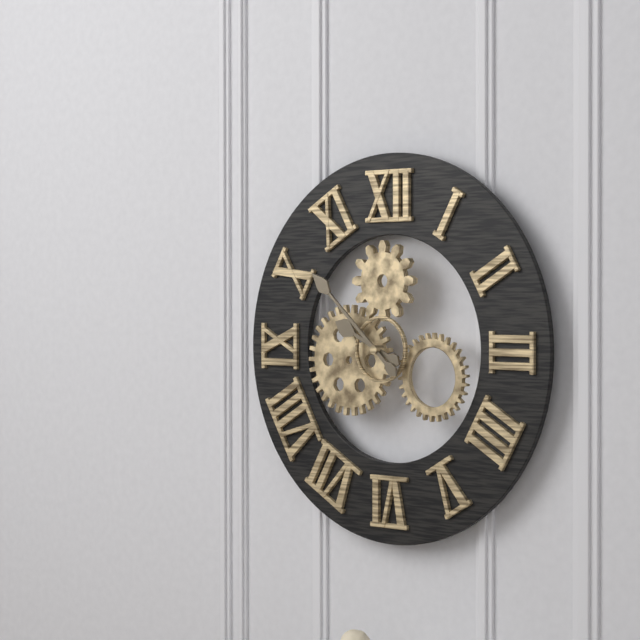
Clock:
9:52
